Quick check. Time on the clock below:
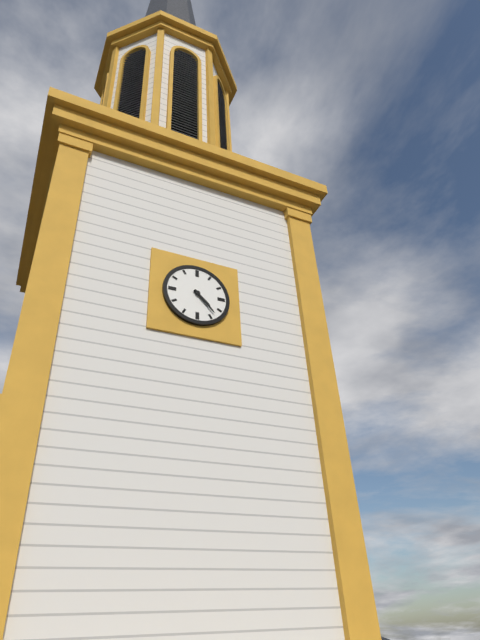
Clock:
4:23
